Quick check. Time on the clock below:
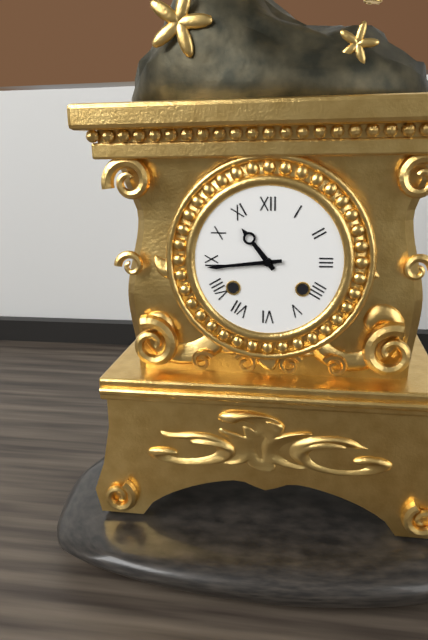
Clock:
10:44
